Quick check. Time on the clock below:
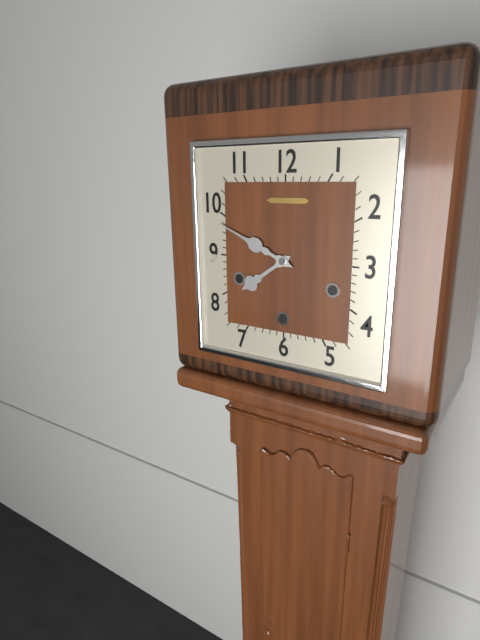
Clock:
7:49
